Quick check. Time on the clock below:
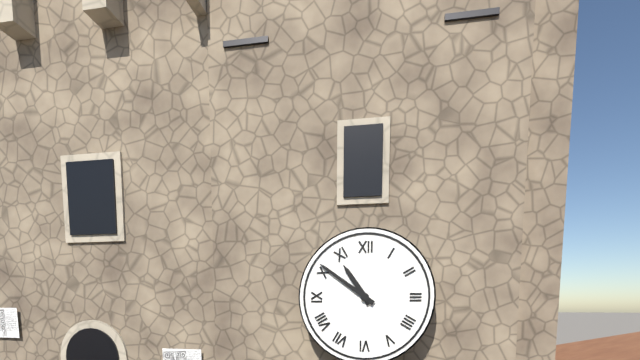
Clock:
10:51
